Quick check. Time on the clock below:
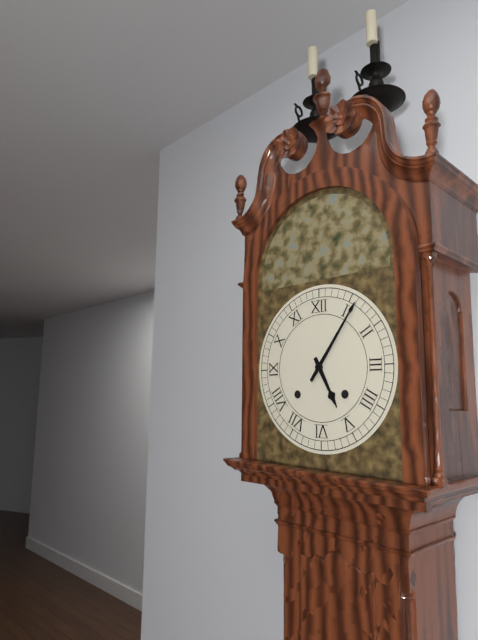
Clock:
5:06
